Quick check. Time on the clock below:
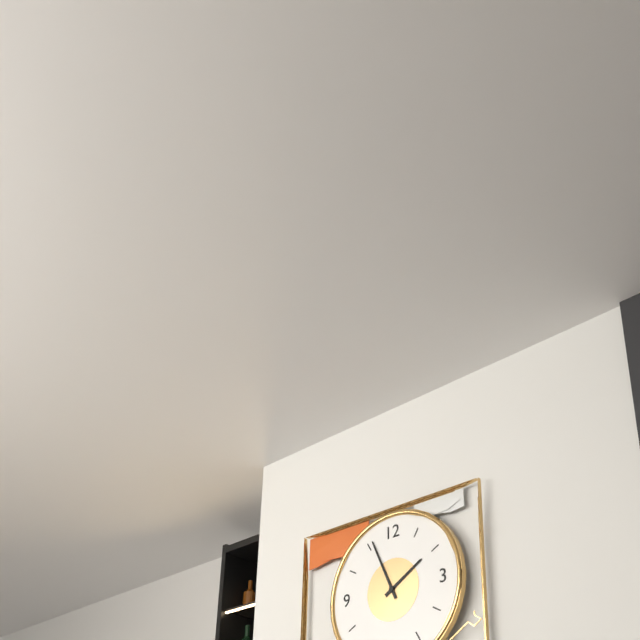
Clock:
1:56
